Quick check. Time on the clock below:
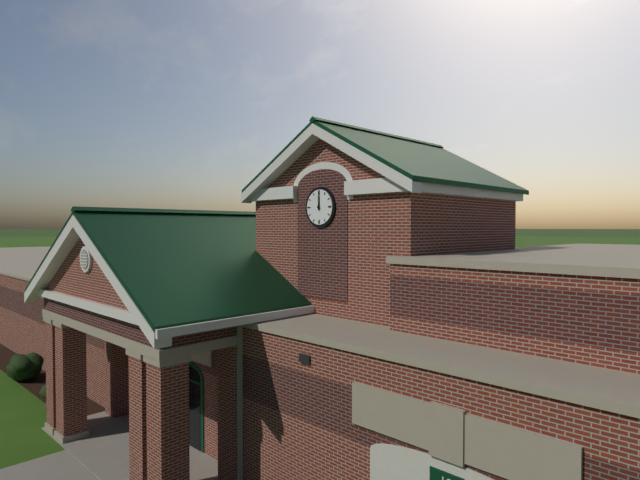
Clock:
12:00
